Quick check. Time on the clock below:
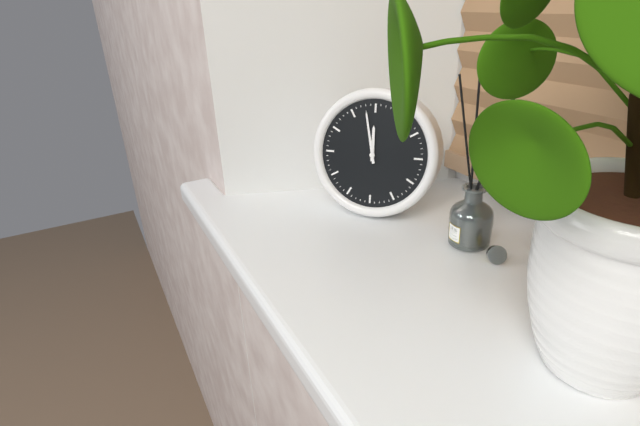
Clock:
11:58
